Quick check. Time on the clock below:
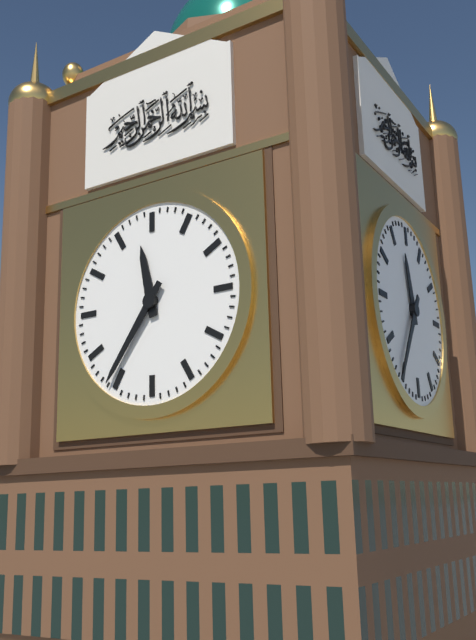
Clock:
11:36
